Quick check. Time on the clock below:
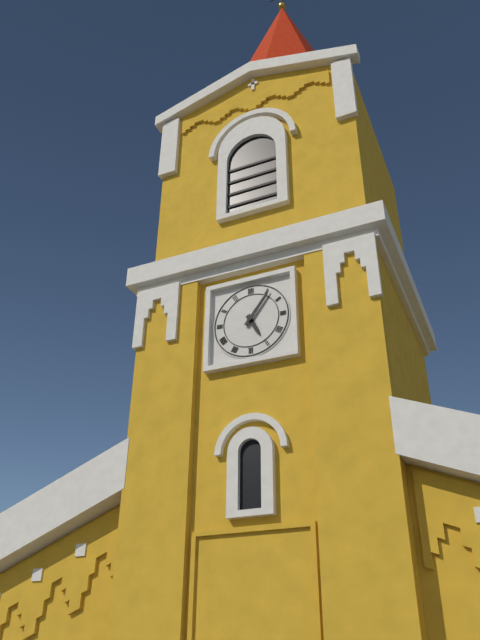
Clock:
5:06
